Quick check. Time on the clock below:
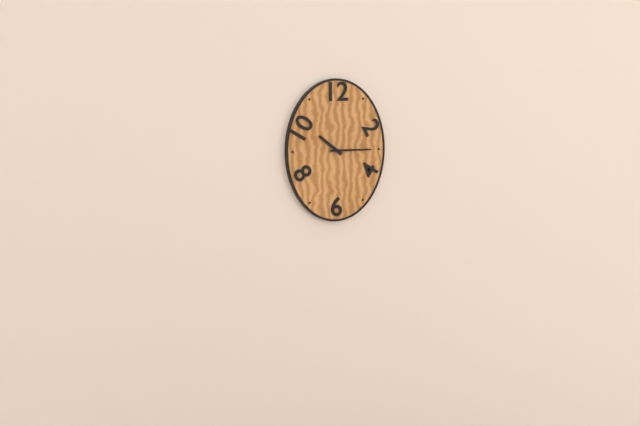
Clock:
10:15
